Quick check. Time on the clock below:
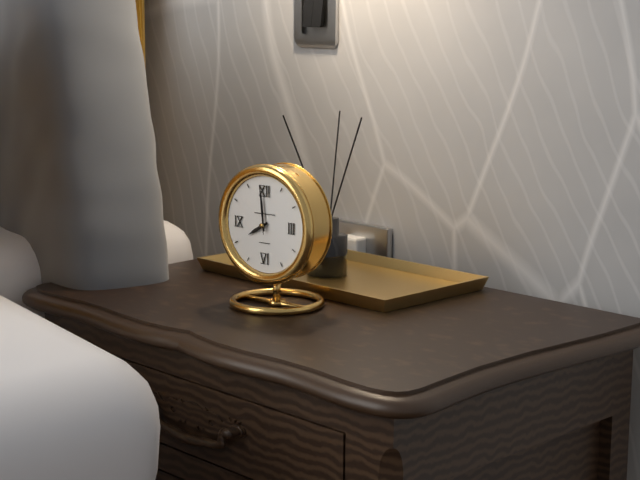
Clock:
7:59:59
